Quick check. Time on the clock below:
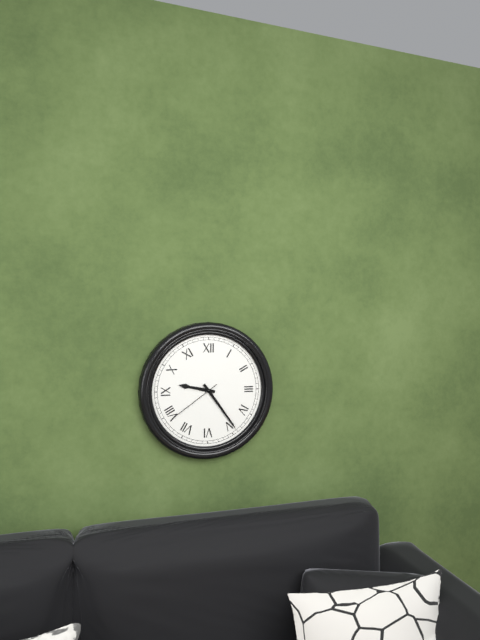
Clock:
9:24:39
